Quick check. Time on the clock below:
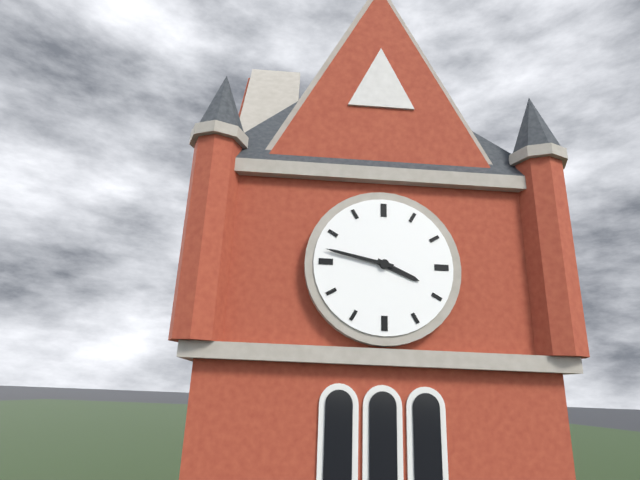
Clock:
3:47
